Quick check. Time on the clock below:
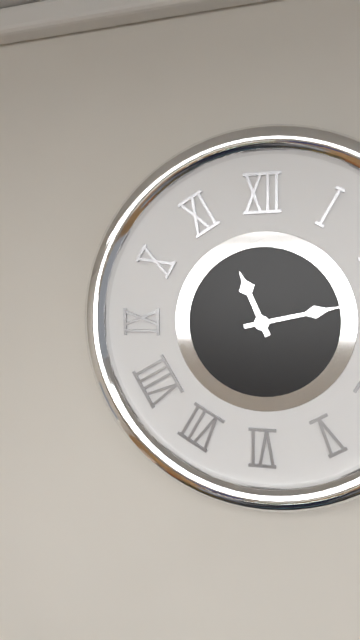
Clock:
11:13
